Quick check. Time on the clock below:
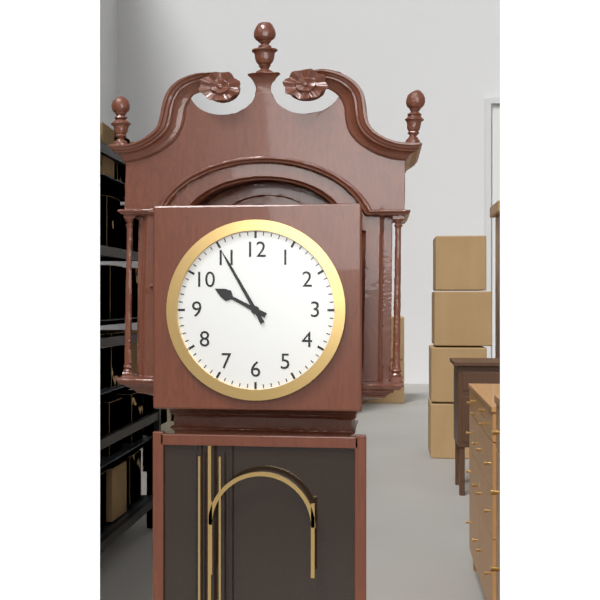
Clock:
9:55
